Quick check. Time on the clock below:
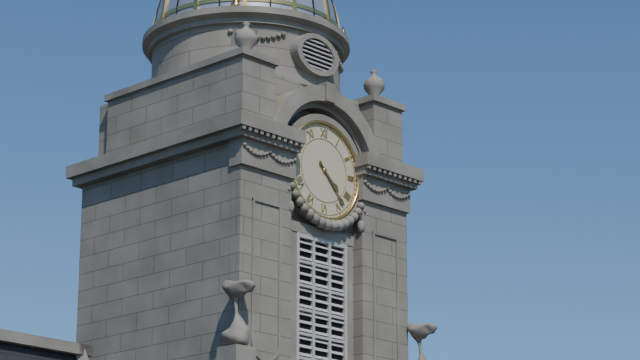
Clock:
4:23
